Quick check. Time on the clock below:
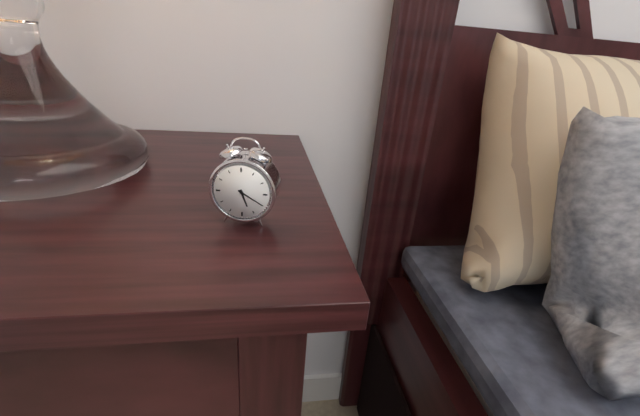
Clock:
5:20
